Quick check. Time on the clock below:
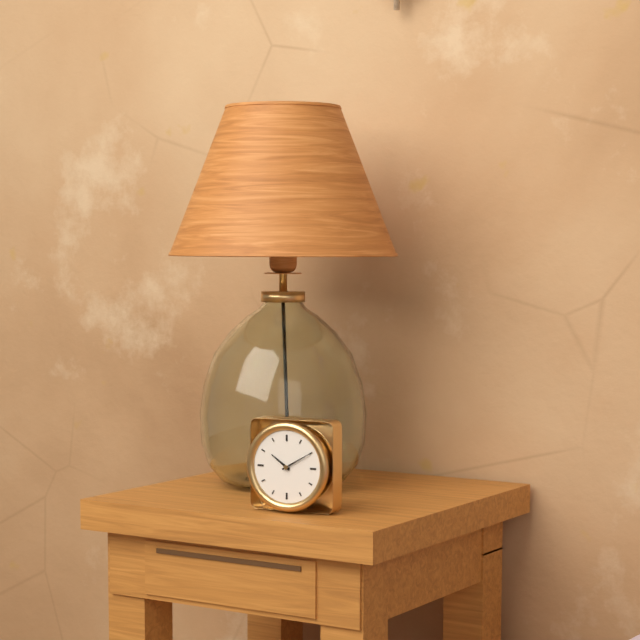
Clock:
10:10
